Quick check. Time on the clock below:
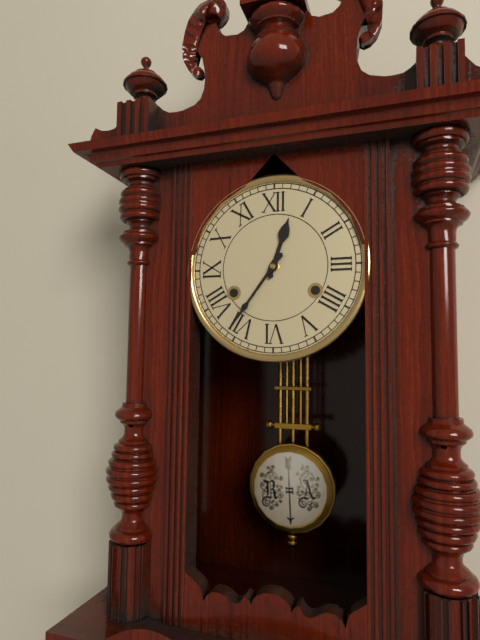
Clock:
12:36
